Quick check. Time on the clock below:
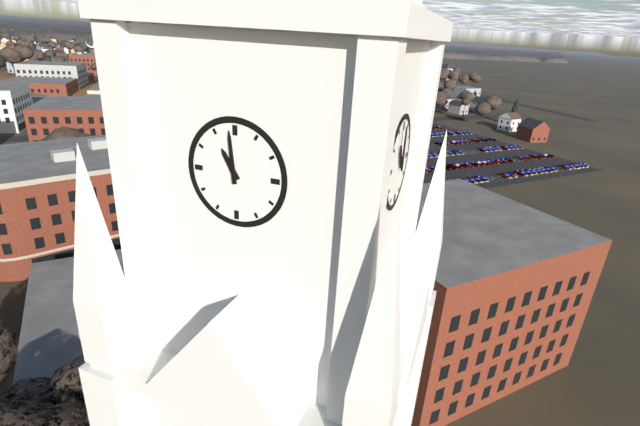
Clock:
10:59
